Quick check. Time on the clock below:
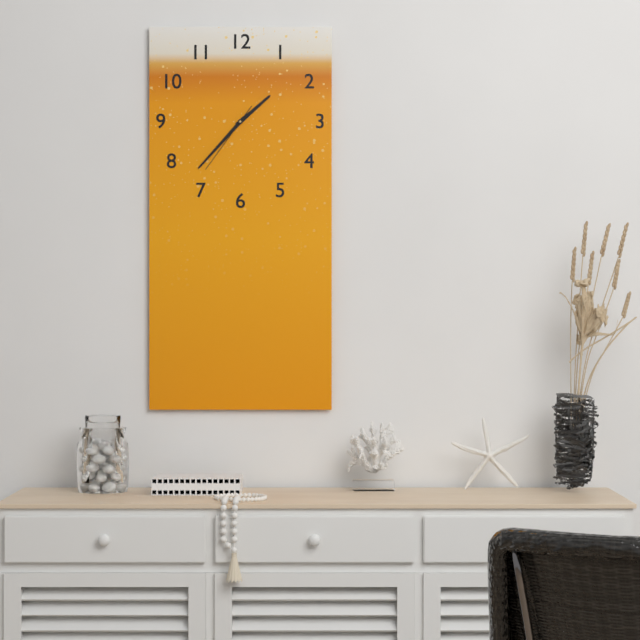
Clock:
1:37:36
